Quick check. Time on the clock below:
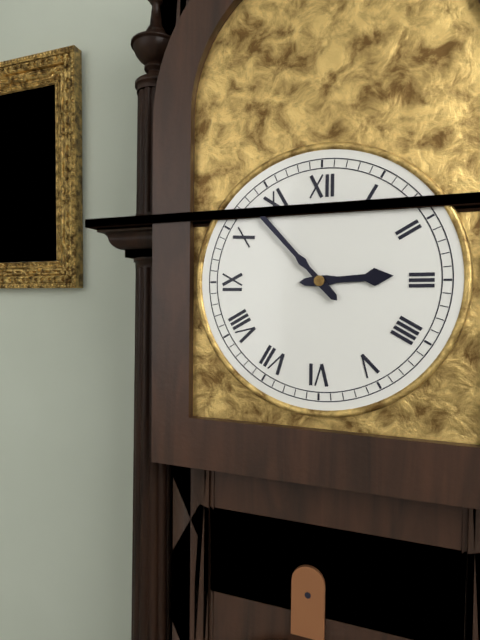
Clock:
2:53
